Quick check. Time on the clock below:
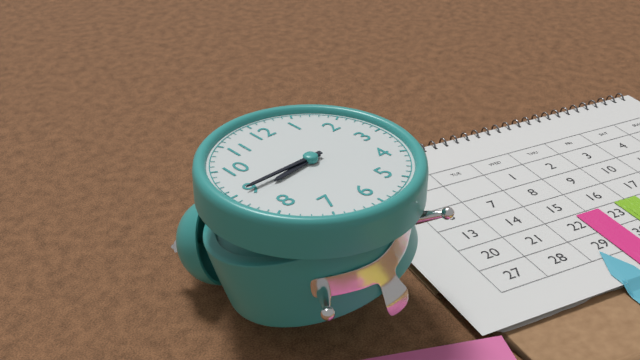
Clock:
8:45
